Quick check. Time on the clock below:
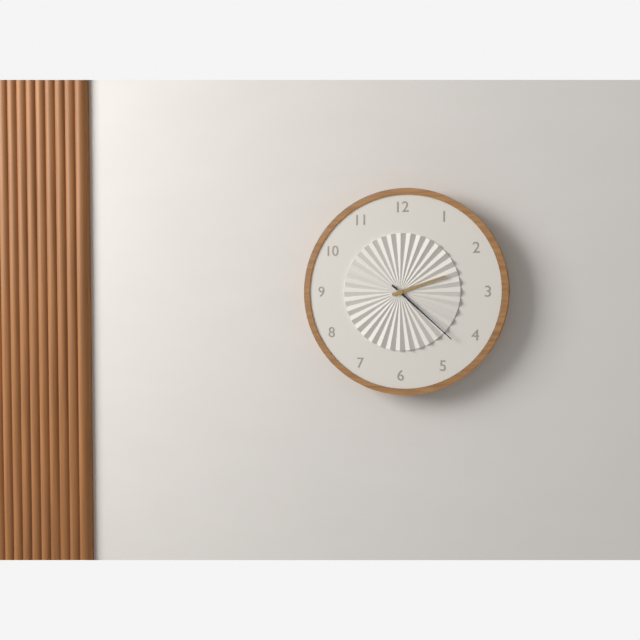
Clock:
2:22
